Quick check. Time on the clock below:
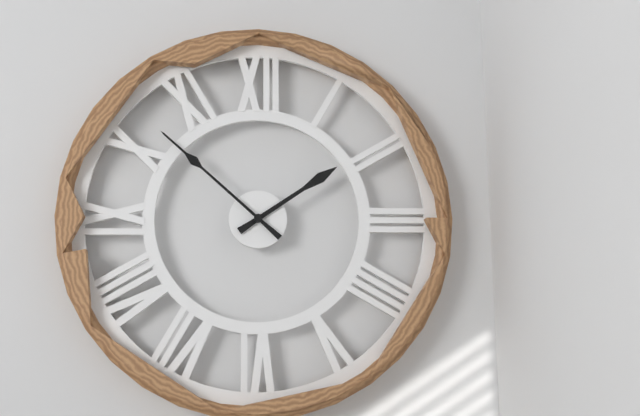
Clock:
1:52
